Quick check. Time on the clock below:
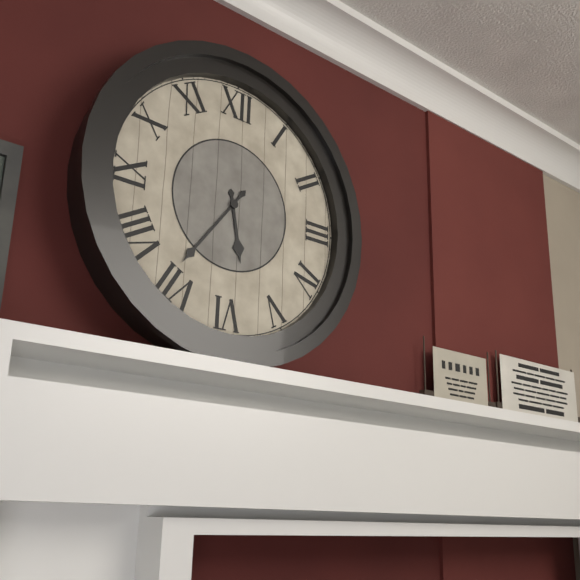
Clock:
5:36
